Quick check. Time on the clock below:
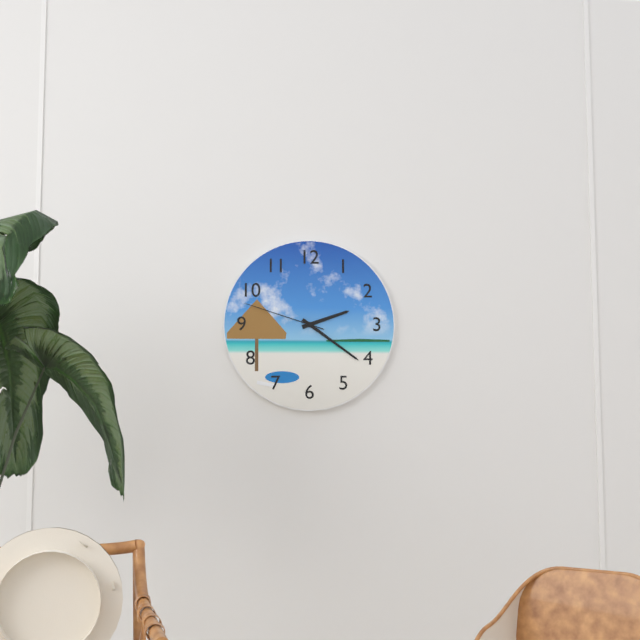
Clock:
2:21:48
